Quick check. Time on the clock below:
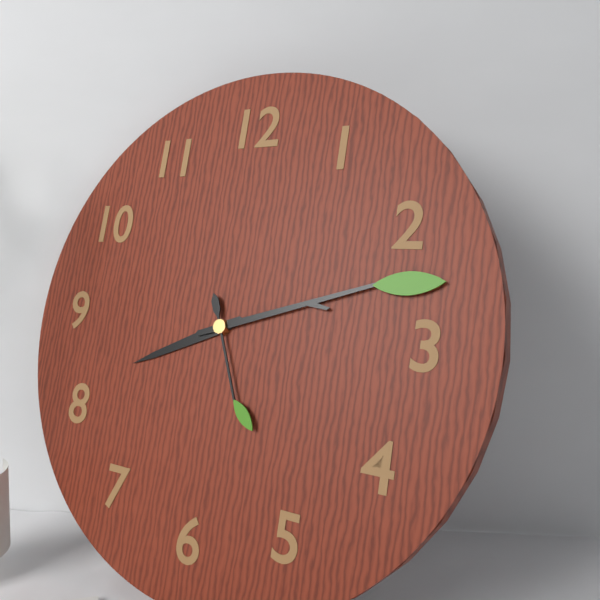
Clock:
8:12:26
